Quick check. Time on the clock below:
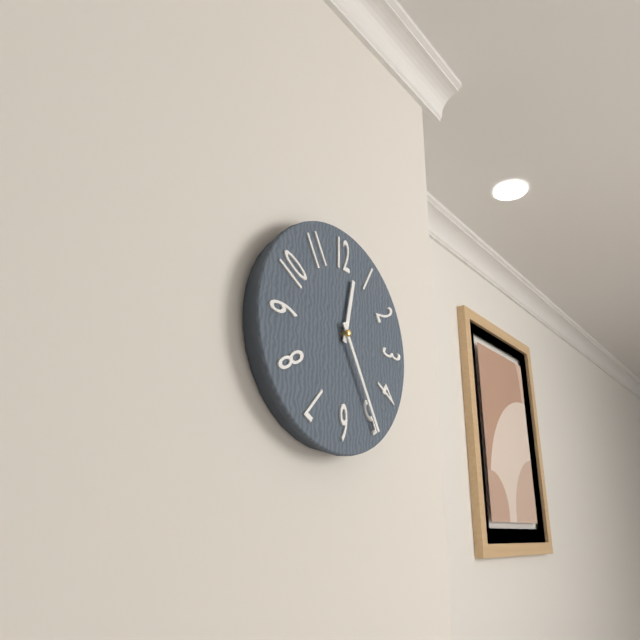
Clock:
12:25
